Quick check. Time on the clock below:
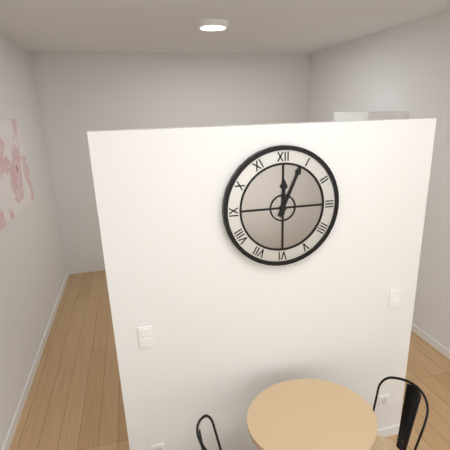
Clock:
12:04
